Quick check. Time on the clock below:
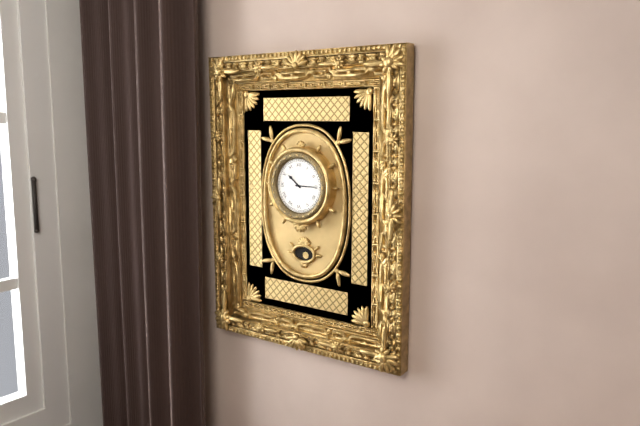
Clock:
10:15
